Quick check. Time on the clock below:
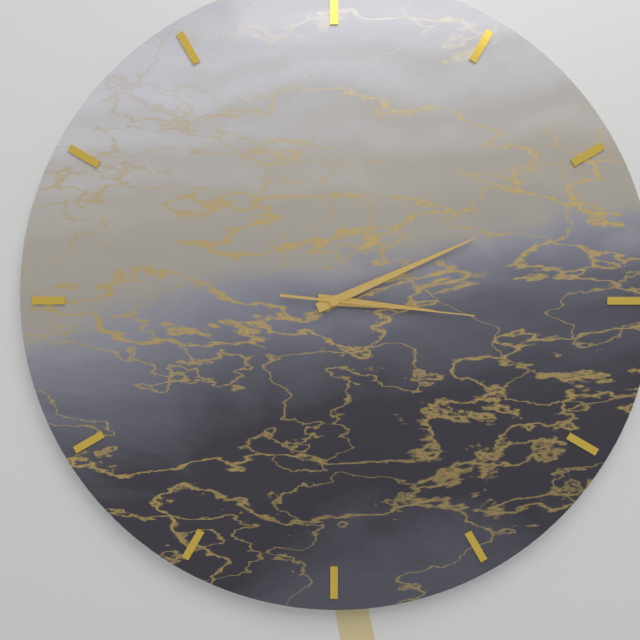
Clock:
3:11:16
